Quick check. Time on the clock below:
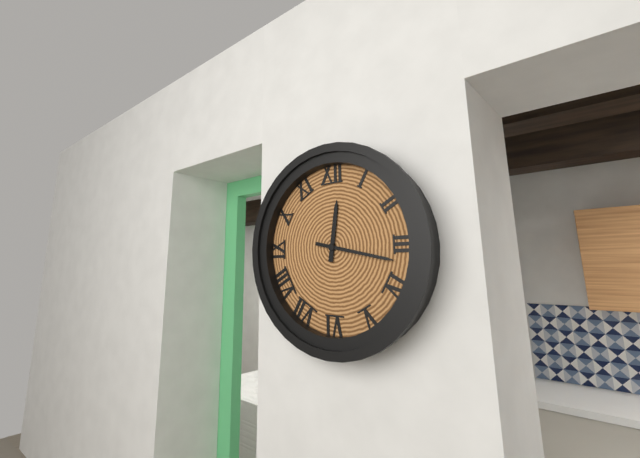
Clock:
12:17
